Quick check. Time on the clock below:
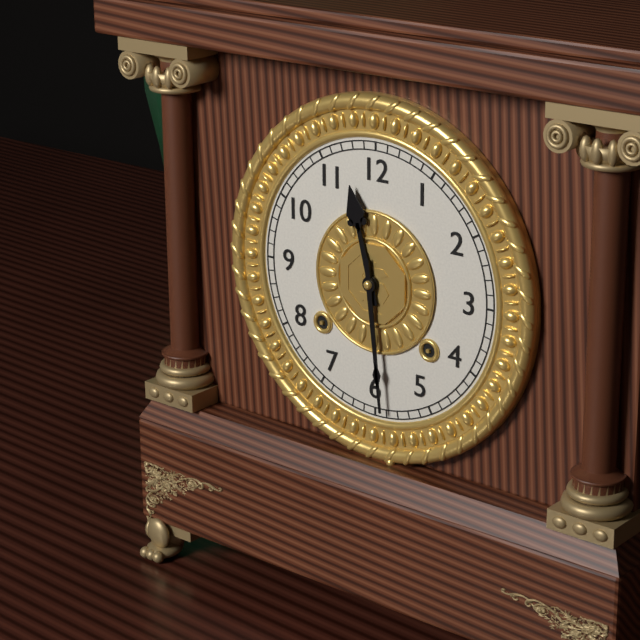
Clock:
11:29
